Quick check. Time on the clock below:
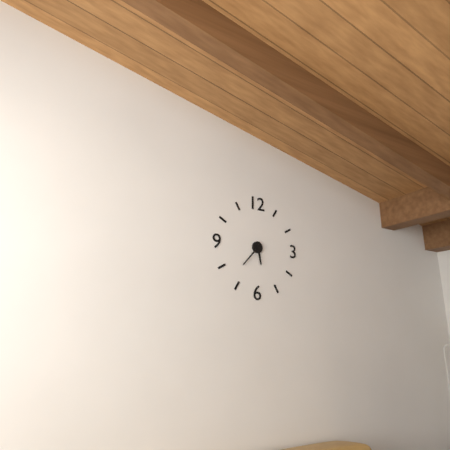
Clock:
5:37
